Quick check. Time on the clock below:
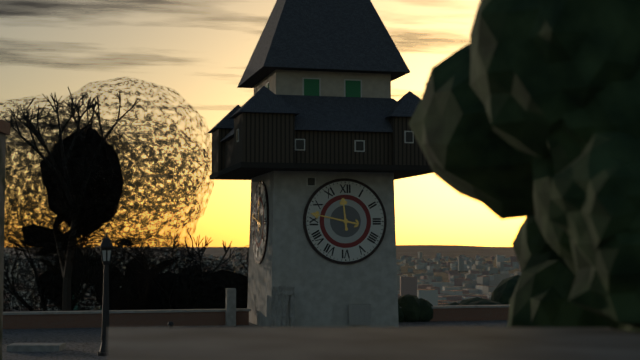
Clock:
11:47
